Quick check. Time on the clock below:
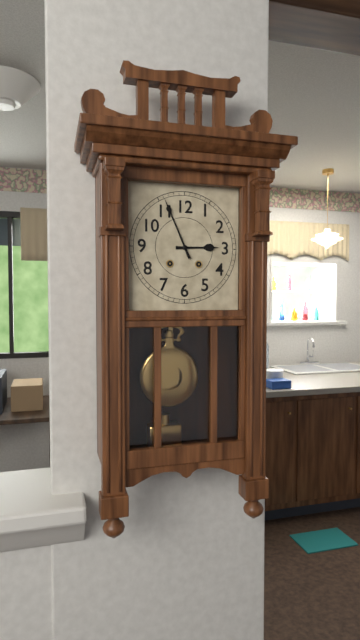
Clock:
2:56
